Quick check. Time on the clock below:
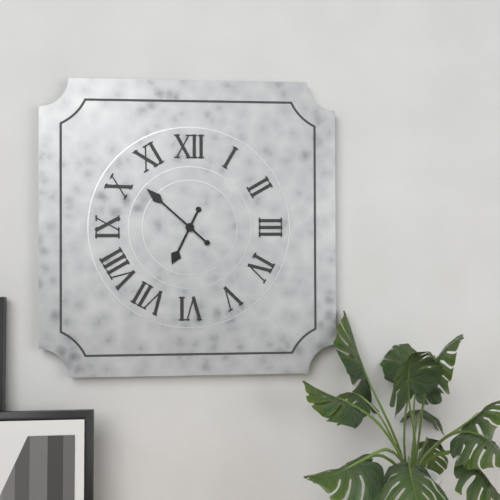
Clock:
6:52
